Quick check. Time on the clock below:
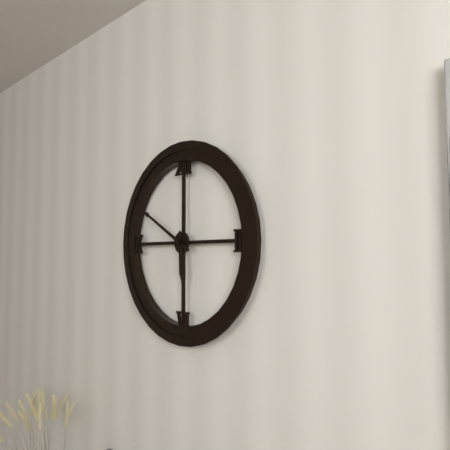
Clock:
5:50
